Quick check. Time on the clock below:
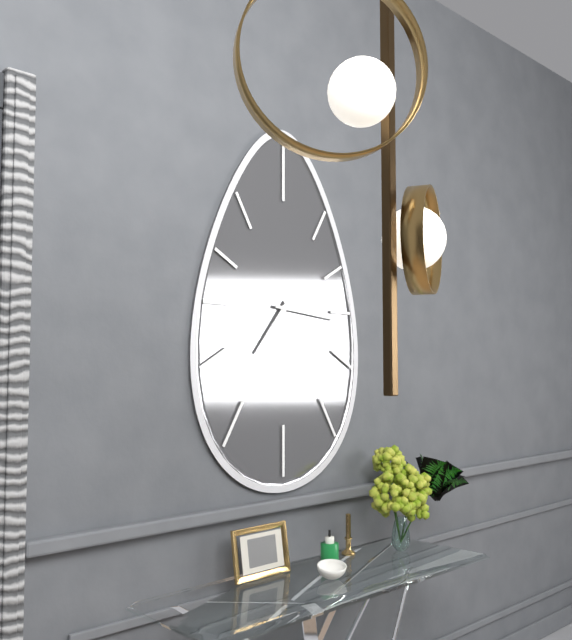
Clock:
7:16
